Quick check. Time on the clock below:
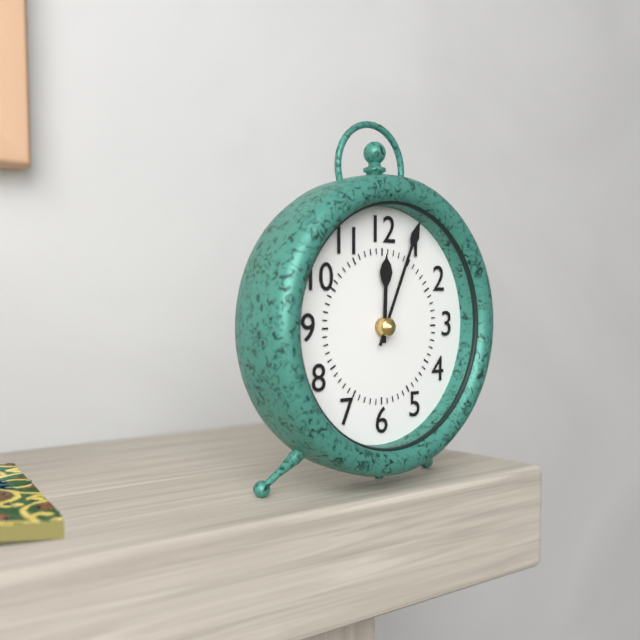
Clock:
12:04
